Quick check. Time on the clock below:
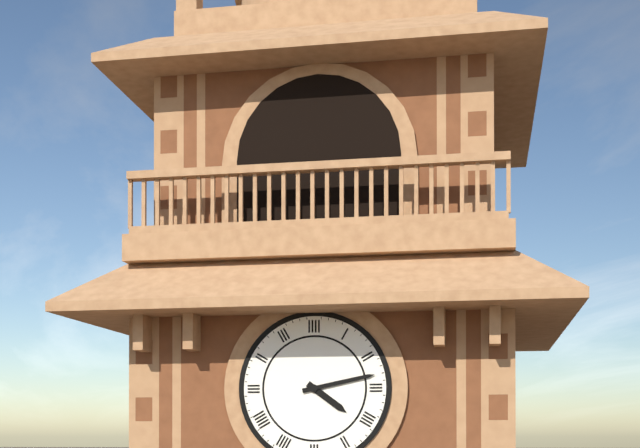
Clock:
4:13
